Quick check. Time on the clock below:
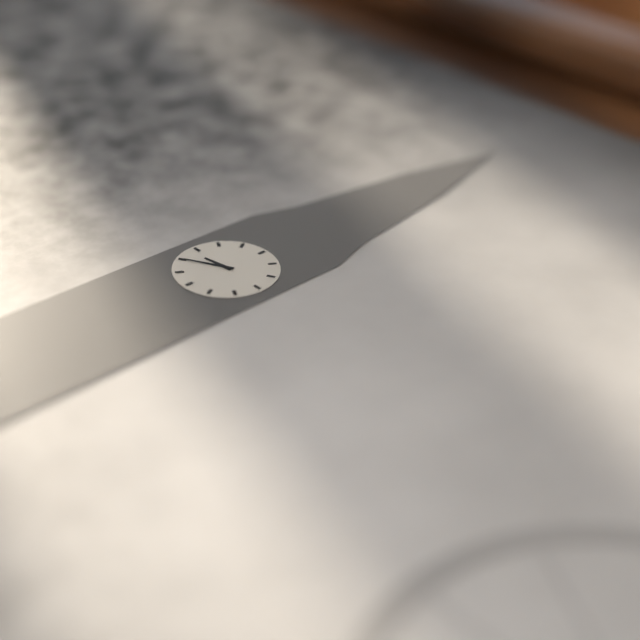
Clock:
8:40
